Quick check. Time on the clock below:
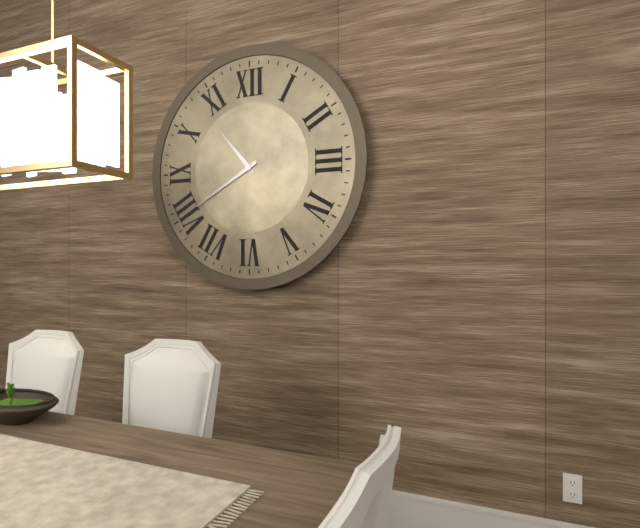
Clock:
10:40
